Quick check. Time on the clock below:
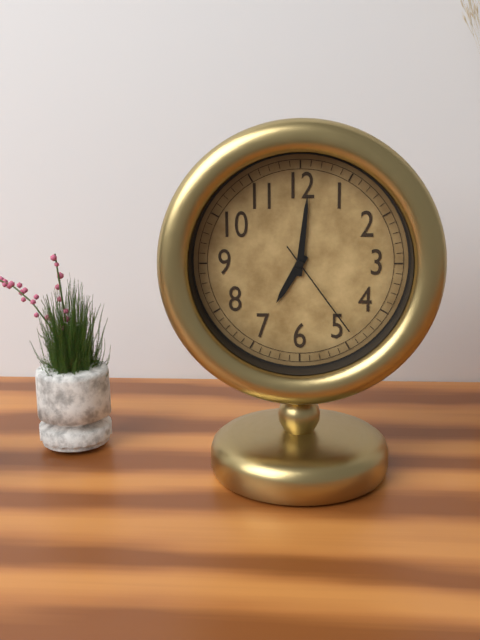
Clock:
7:01:24
